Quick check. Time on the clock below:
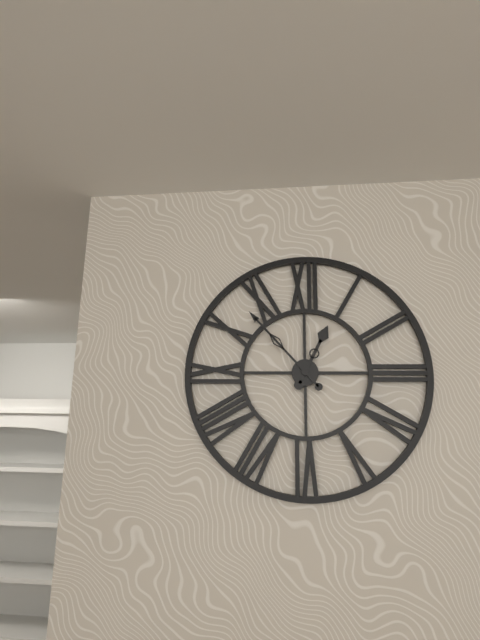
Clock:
12:53
